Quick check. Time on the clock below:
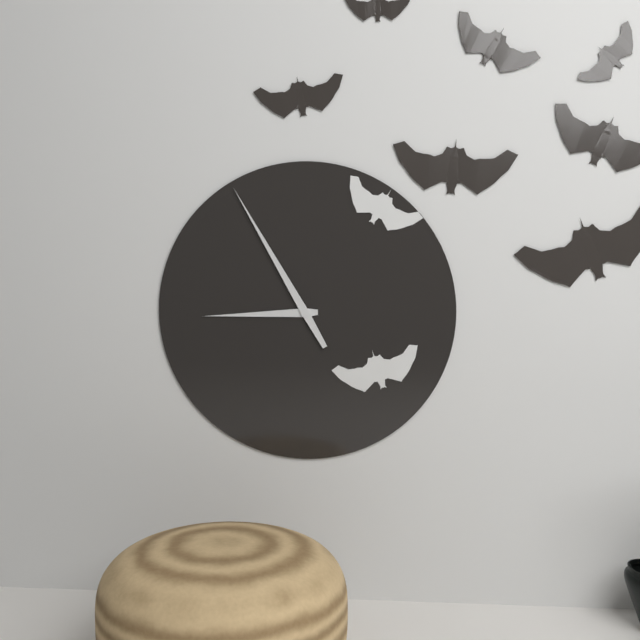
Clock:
8:55
